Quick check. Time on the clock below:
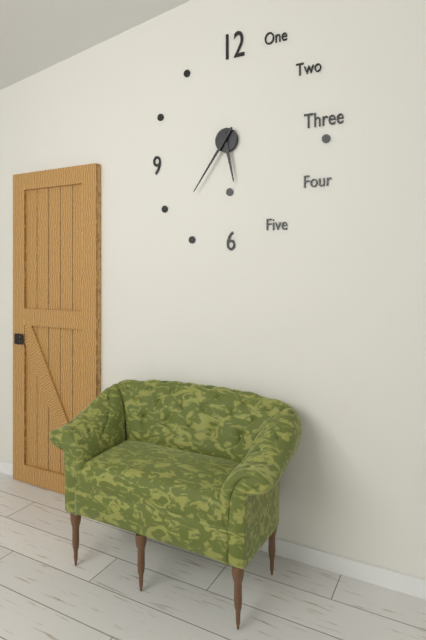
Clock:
5:36
